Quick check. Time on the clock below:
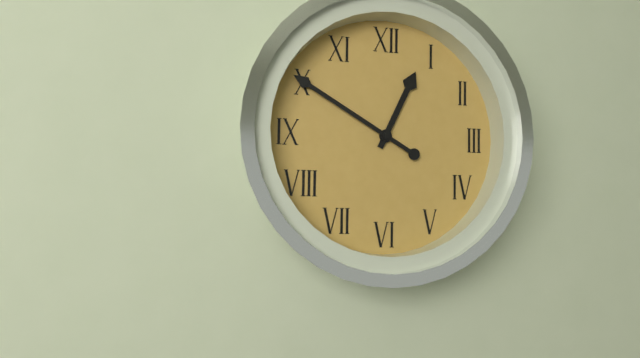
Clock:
12:50
